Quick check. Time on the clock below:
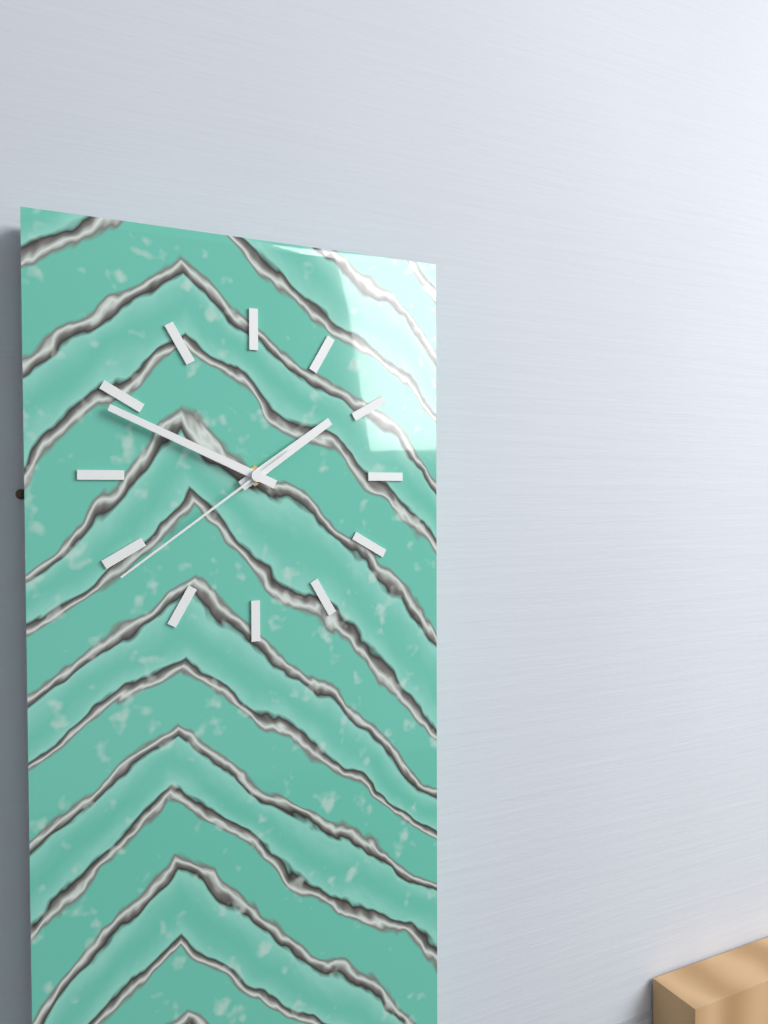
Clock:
1:49:39
